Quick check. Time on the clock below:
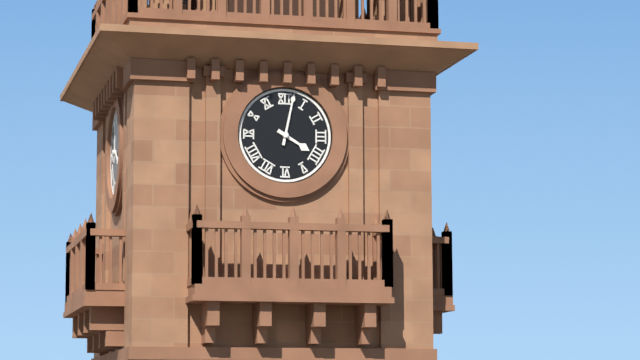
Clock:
4:02
